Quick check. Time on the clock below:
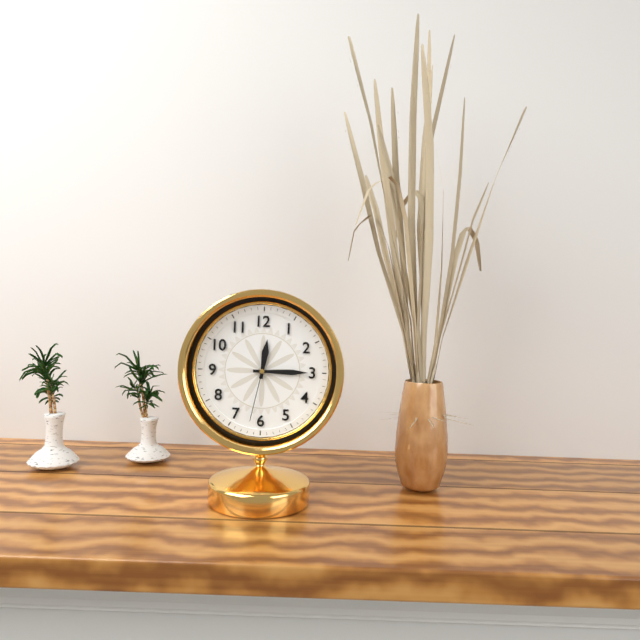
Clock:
12:15:32
